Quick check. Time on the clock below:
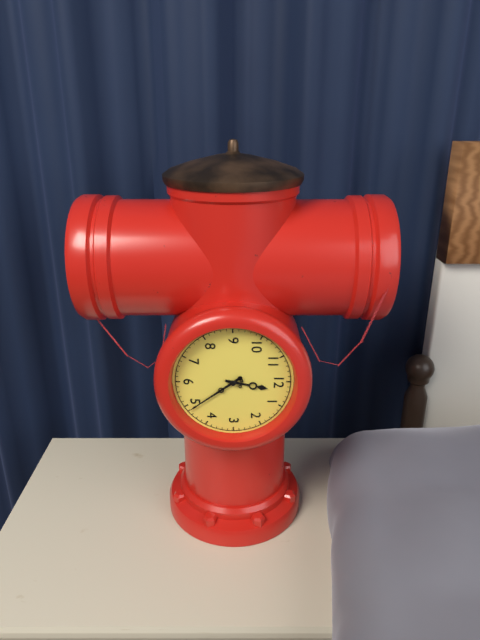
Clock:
12:24
